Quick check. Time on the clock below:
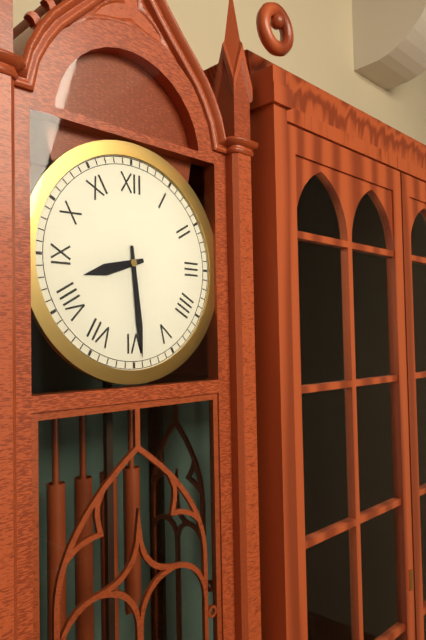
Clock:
8:29
